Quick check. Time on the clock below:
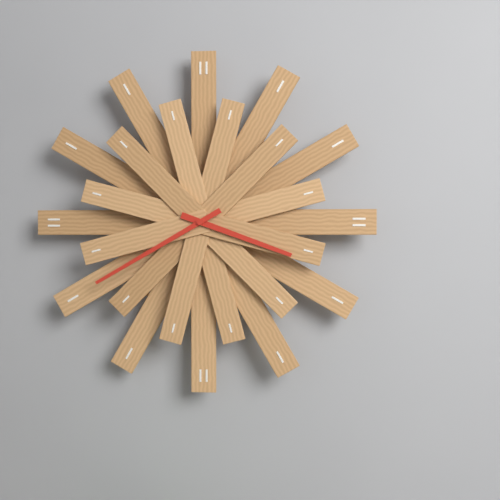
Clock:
3:40
